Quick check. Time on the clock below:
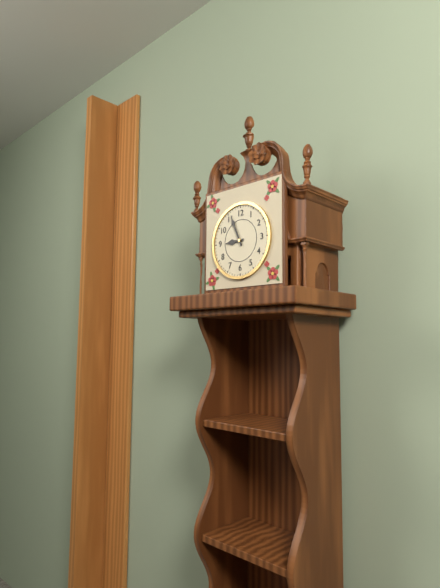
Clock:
8:56
